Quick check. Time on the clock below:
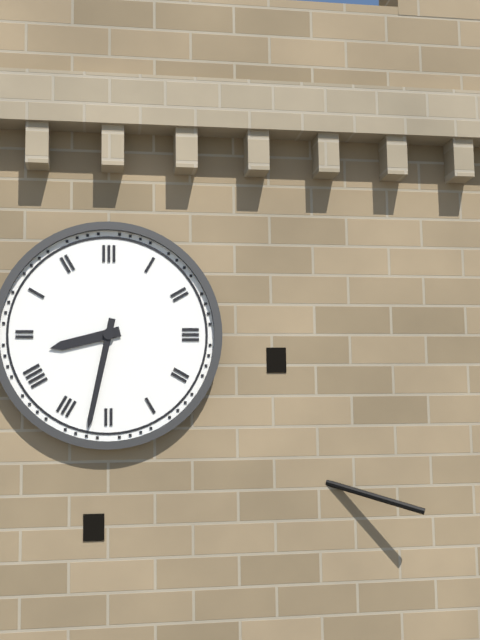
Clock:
8:32
